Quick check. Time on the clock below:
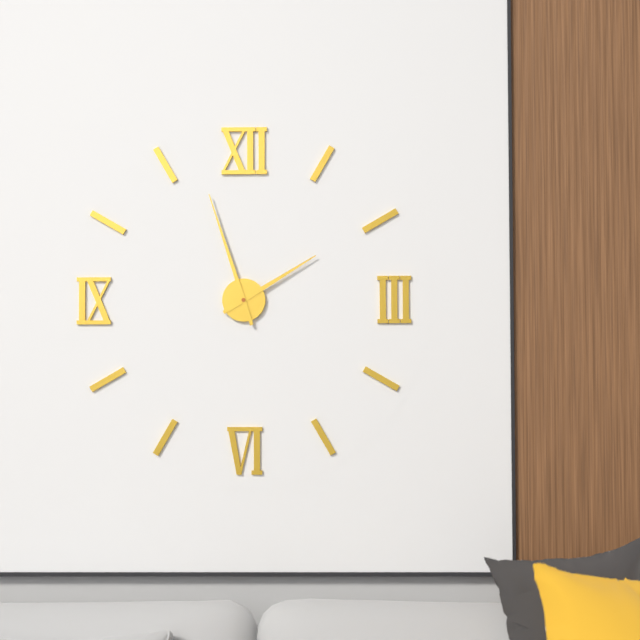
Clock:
1:57
